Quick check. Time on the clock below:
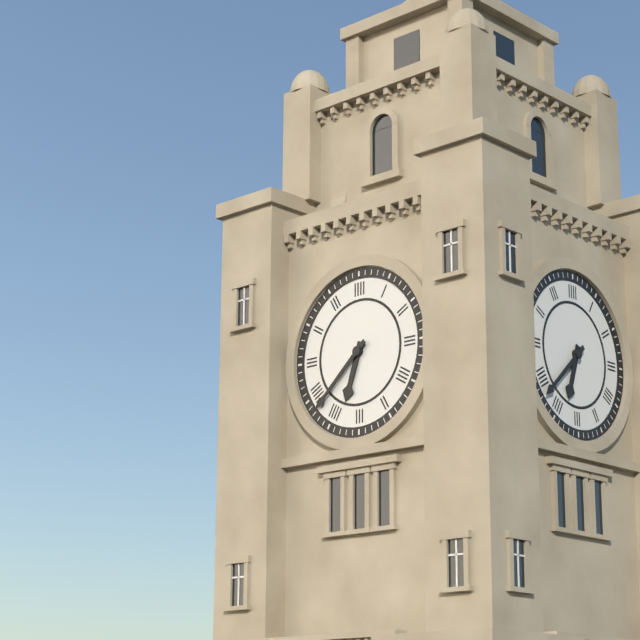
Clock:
6:38
